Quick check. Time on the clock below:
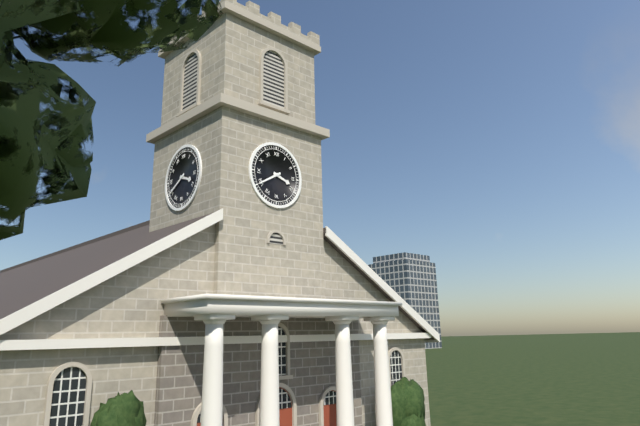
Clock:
3:40
